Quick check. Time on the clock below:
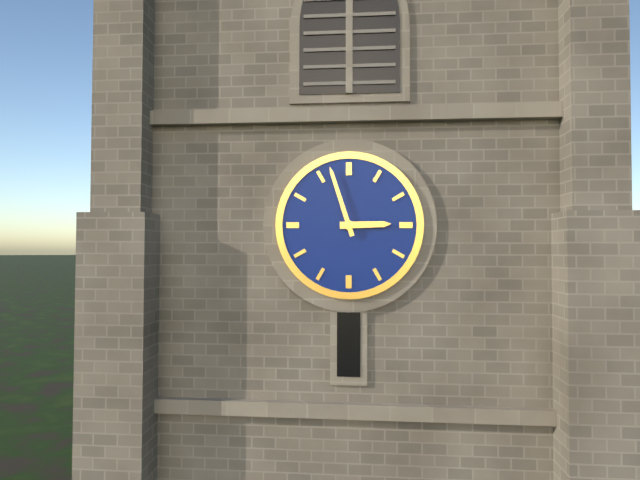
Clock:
2:57
